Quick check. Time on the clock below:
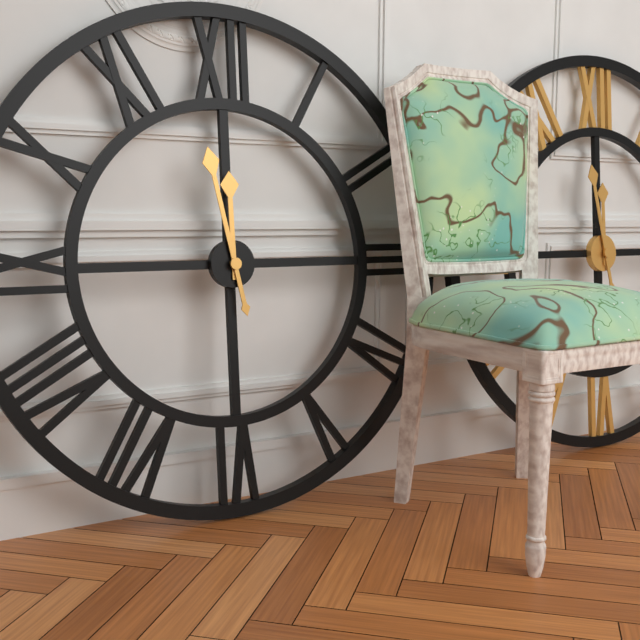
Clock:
11:58
